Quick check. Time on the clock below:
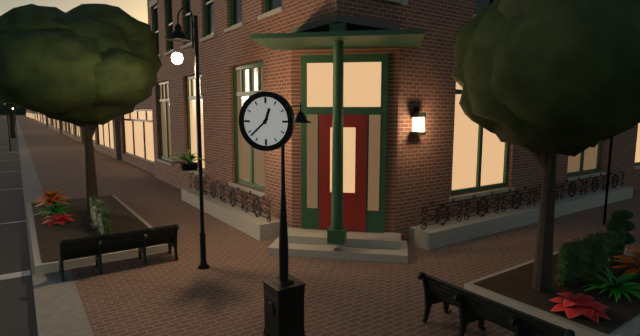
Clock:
12:38
